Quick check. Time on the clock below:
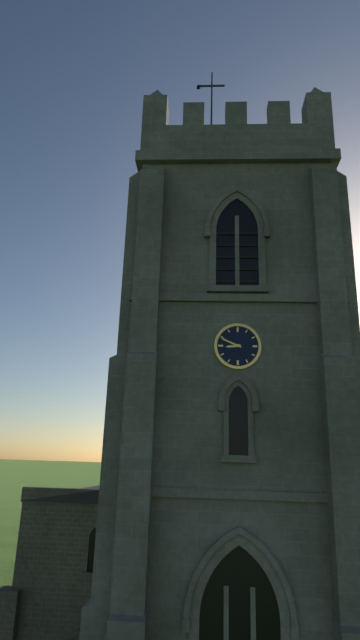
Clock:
8:49
